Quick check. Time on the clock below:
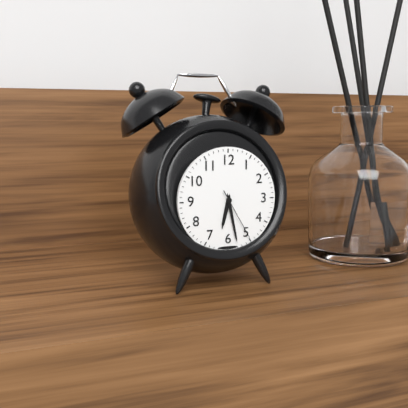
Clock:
6:28:25
